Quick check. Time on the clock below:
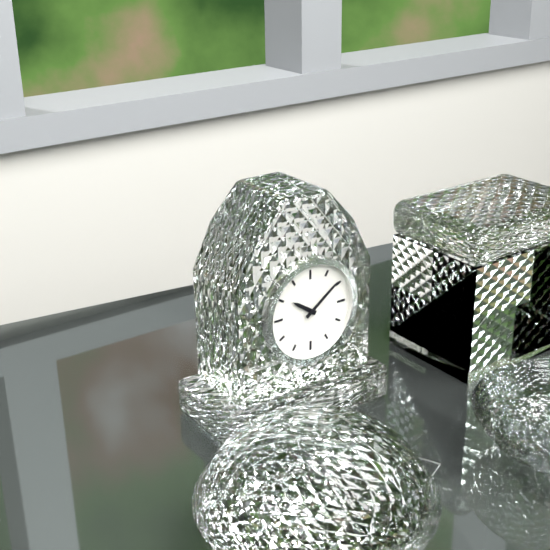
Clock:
10:09
